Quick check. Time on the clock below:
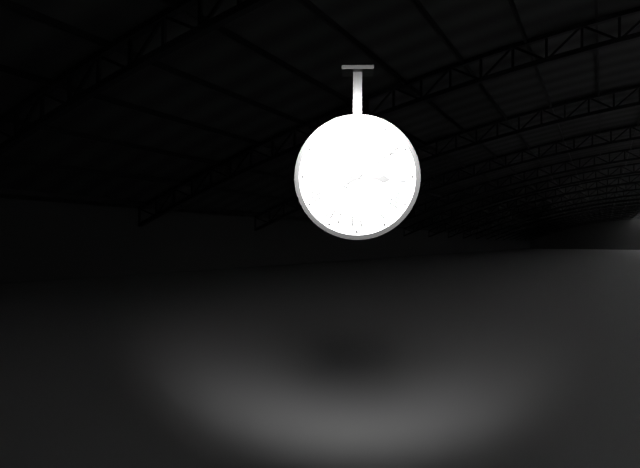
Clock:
3:09
